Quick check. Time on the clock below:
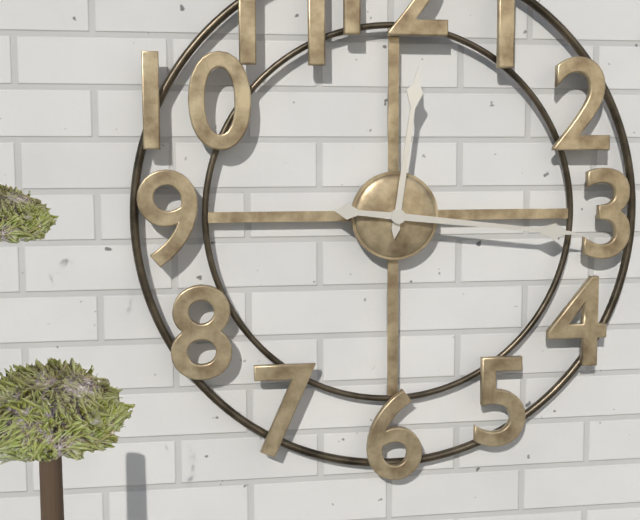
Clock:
12:16
